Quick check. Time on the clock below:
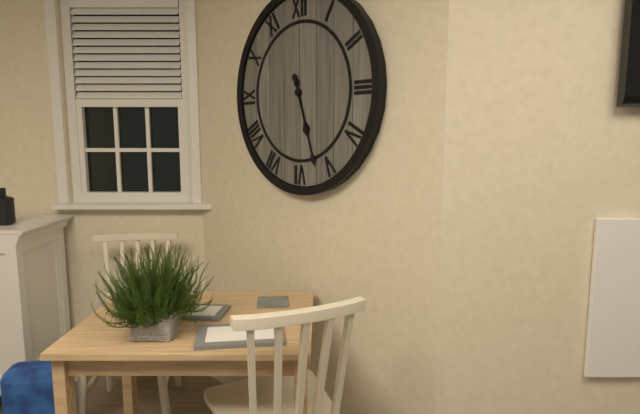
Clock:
5:27
